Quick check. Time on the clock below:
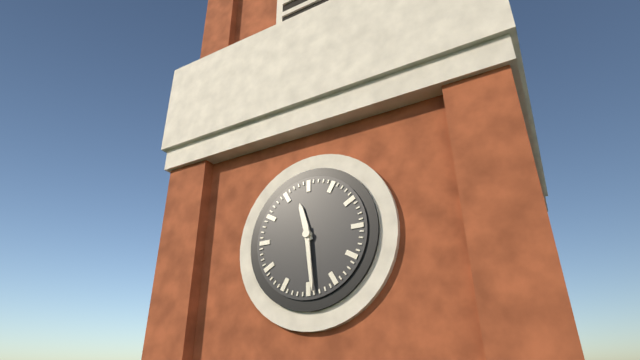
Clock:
11:29
